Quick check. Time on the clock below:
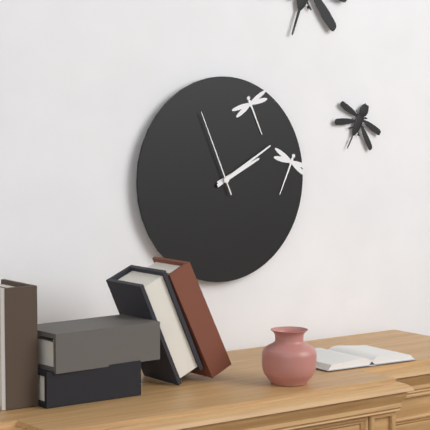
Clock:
2:10:56
